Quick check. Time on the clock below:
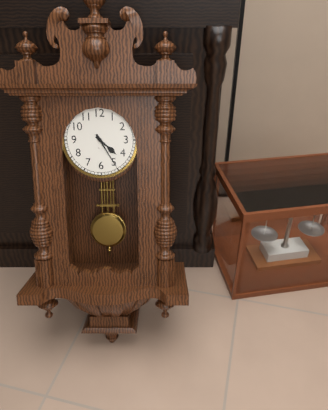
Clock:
4:25
